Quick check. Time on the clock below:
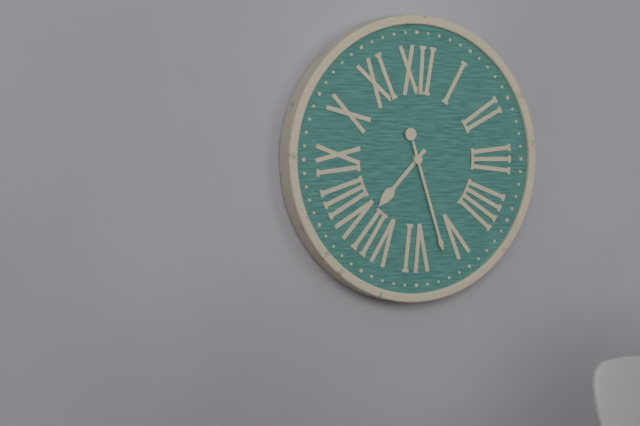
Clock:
7:27
